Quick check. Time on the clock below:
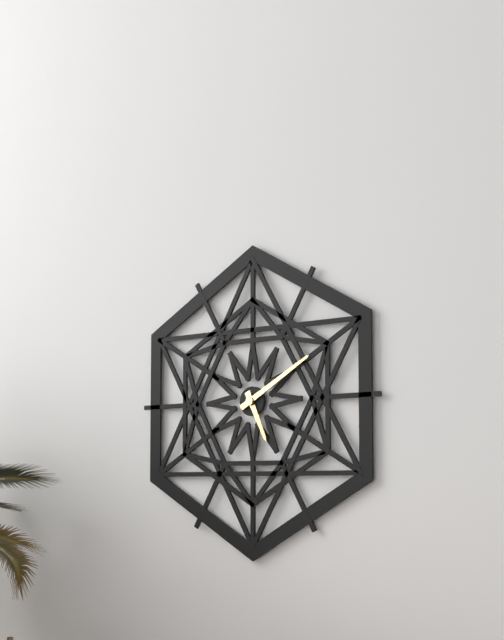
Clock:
5:10
